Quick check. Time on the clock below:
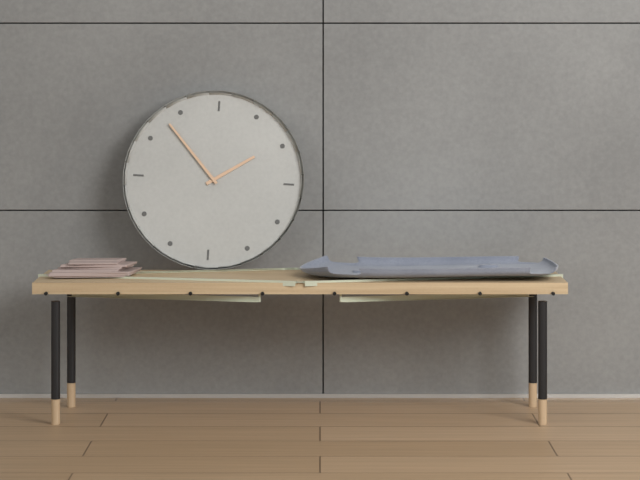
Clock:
1:53
